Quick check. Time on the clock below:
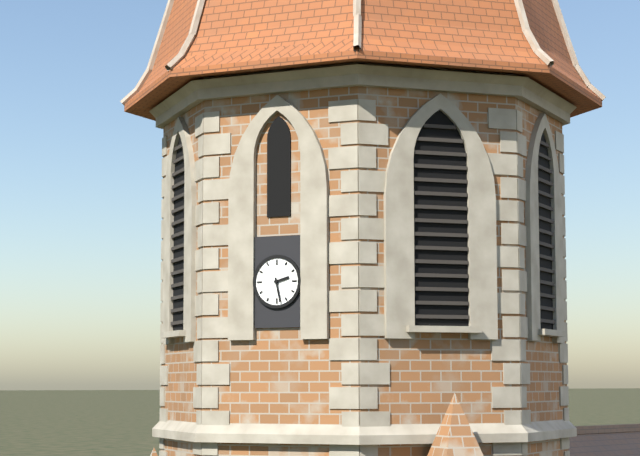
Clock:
2:28
